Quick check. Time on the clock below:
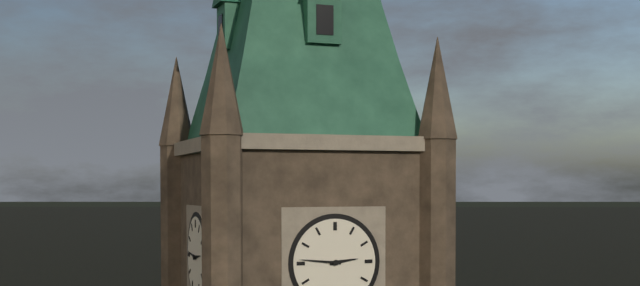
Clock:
2:46
